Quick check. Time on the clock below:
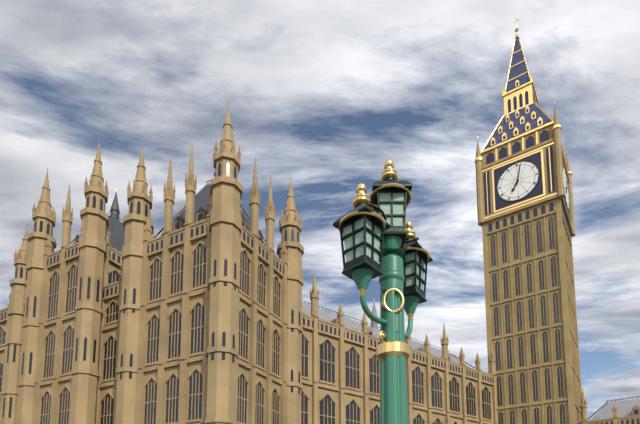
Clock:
7:02
